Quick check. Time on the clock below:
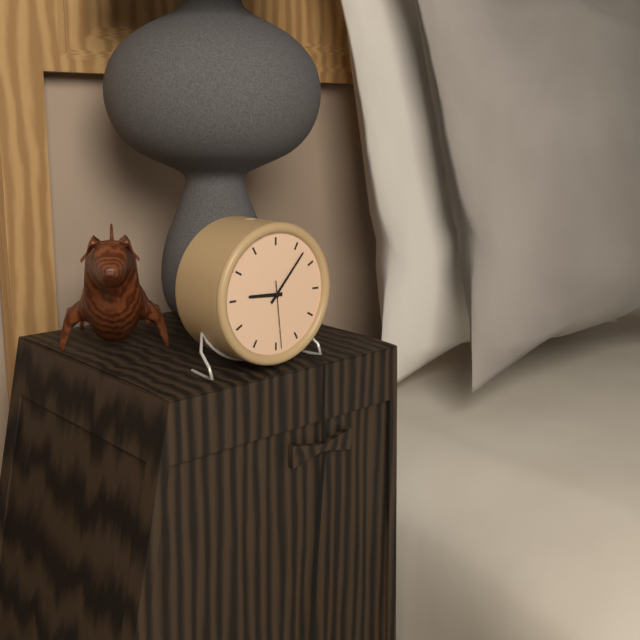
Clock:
9:07:29
